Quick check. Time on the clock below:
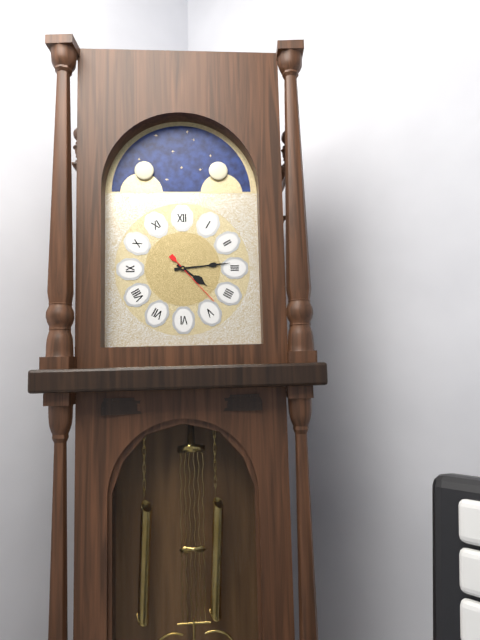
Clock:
4:14:23
